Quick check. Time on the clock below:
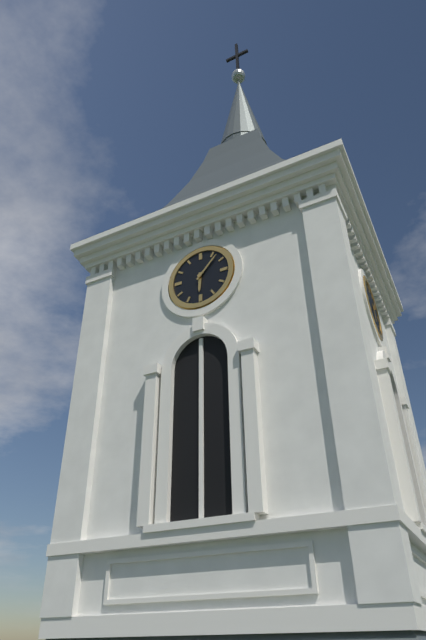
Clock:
6:07
